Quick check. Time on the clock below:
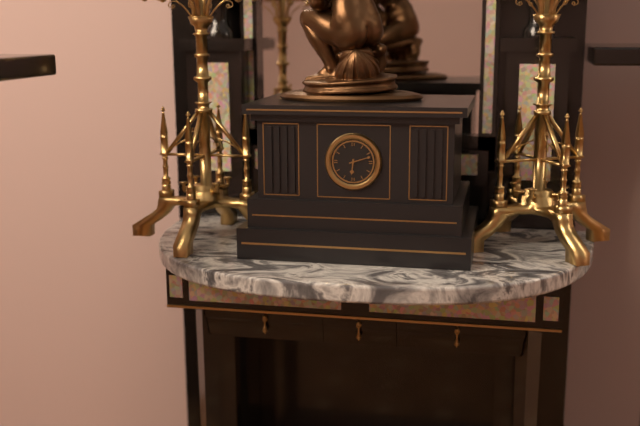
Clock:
6:12
